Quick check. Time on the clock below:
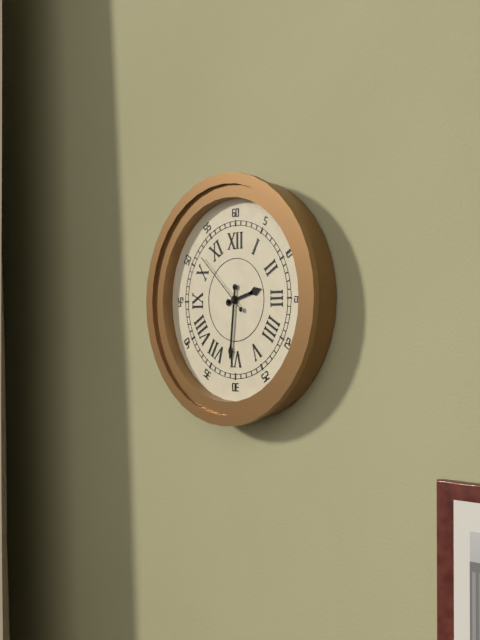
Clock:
2:31:52
